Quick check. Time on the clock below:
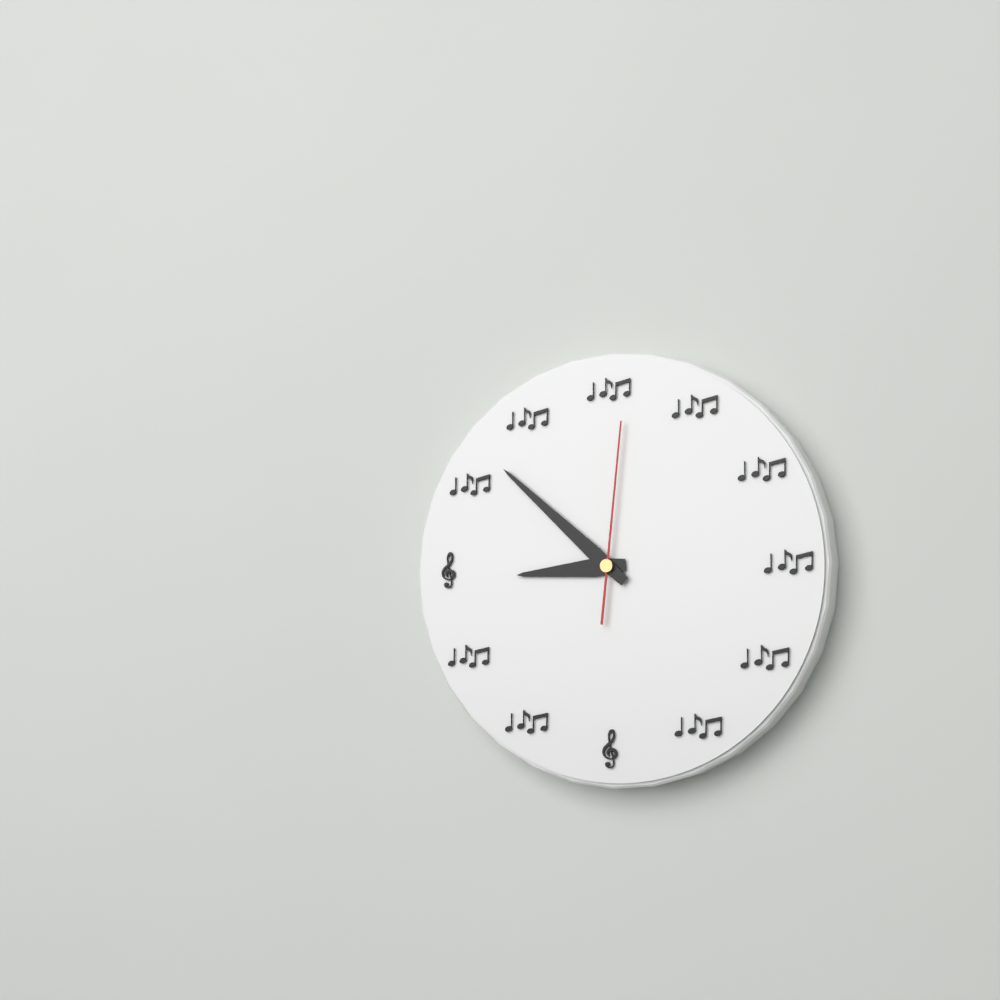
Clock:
8:52:01
